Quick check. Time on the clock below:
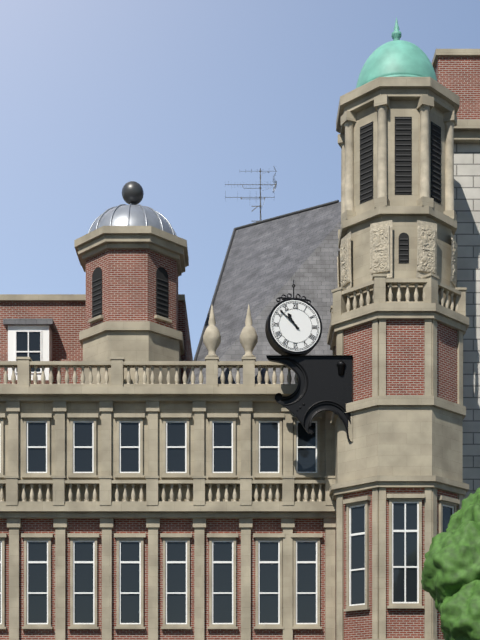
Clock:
10:52
